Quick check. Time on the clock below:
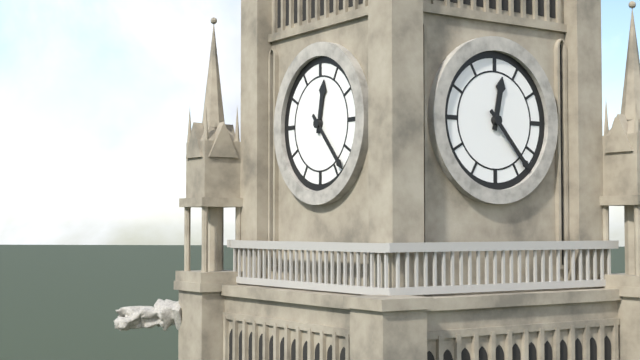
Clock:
12:23
